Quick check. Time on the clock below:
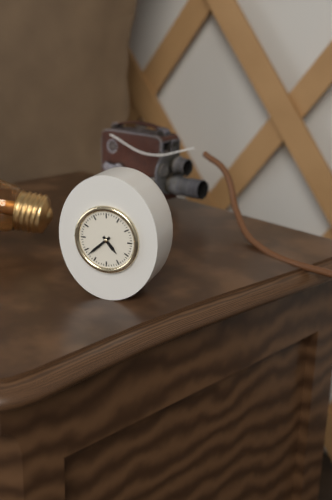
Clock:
4:38
